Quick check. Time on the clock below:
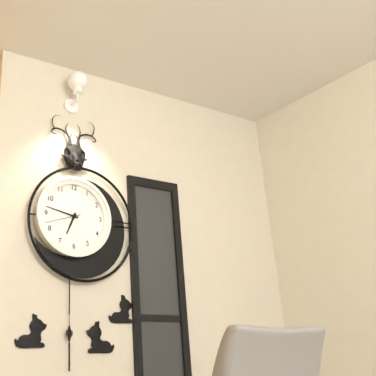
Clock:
6:47
